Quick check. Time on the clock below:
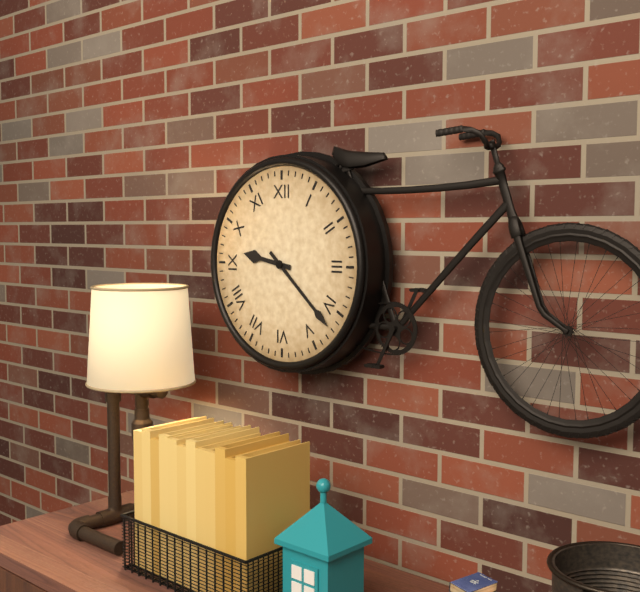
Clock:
9:22
